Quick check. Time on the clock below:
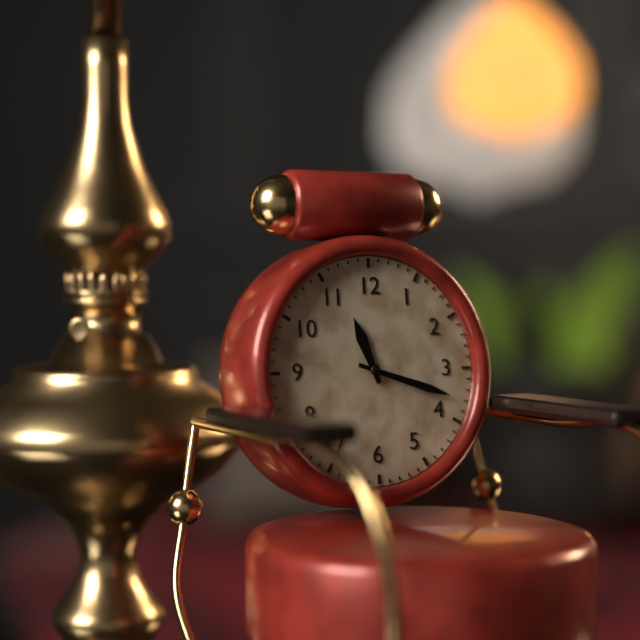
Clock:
11:18
